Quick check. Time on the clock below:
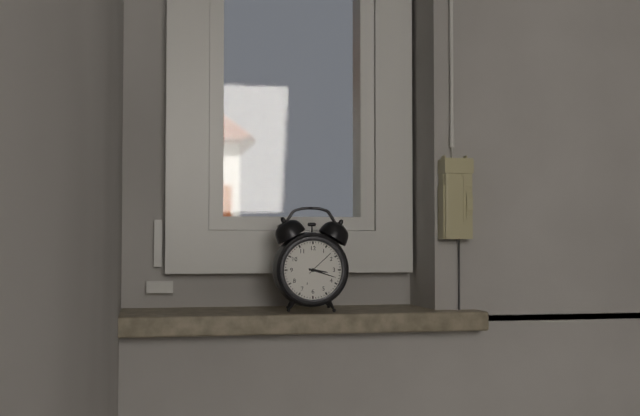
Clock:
3:18
